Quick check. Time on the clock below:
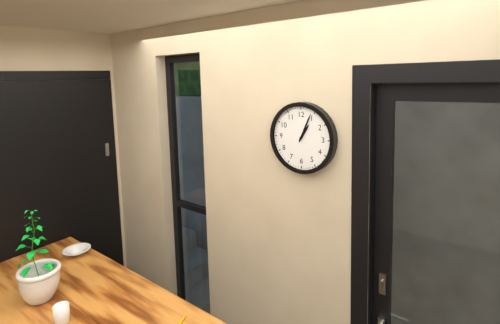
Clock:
1:04
